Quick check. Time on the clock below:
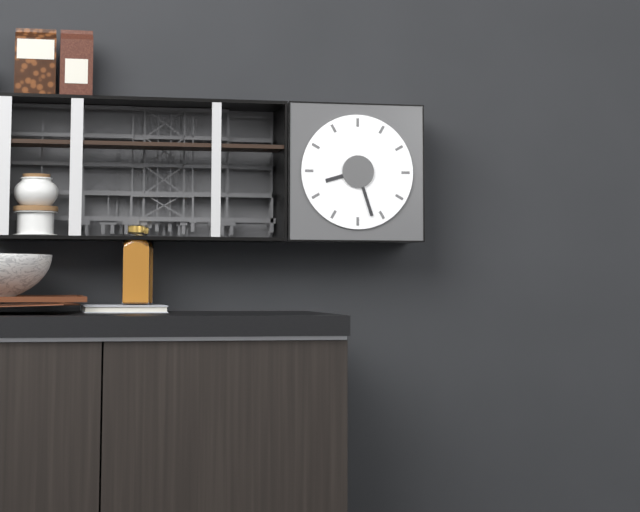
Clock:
8:27
